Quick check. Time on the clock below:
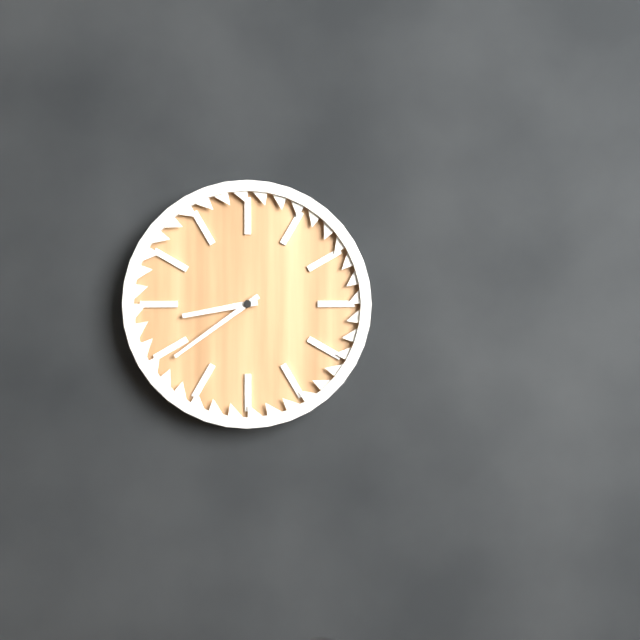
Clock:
8:39
